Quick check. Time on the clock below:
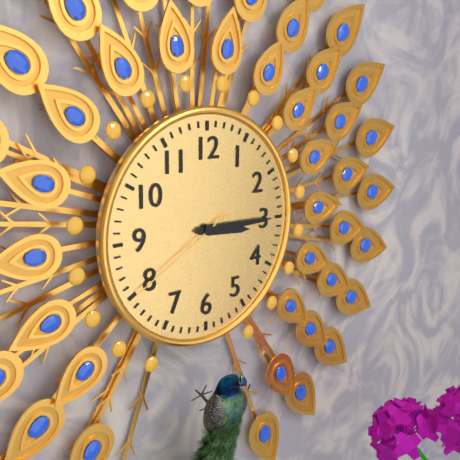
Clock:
3:15:40
